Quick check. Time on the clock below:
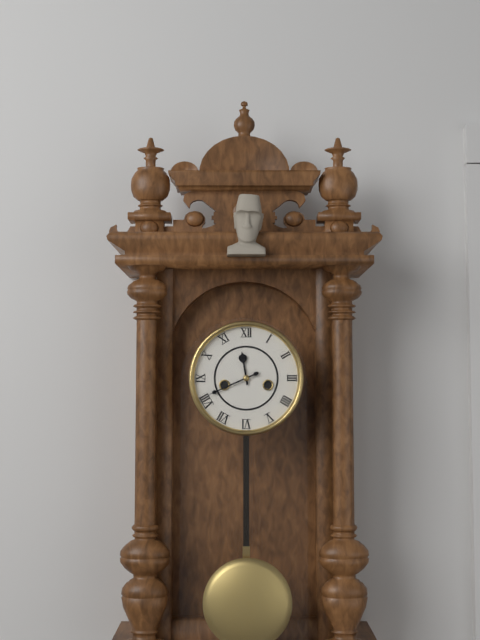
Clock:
11:41
